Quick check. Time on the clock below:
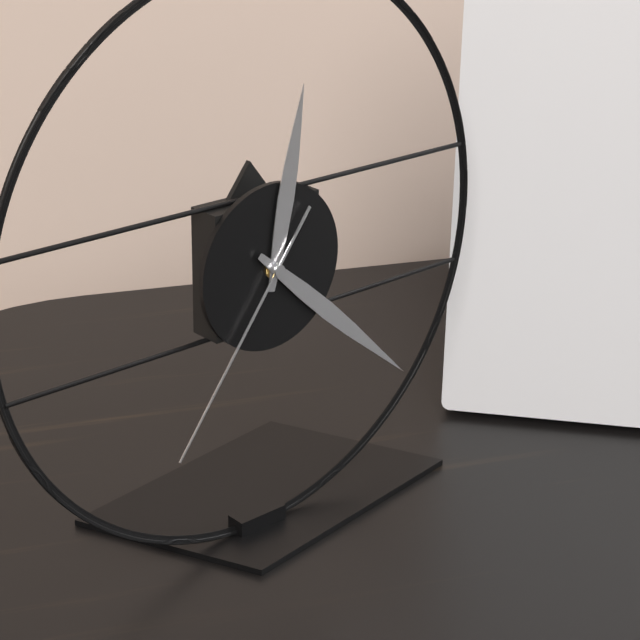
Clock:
12:22:36
